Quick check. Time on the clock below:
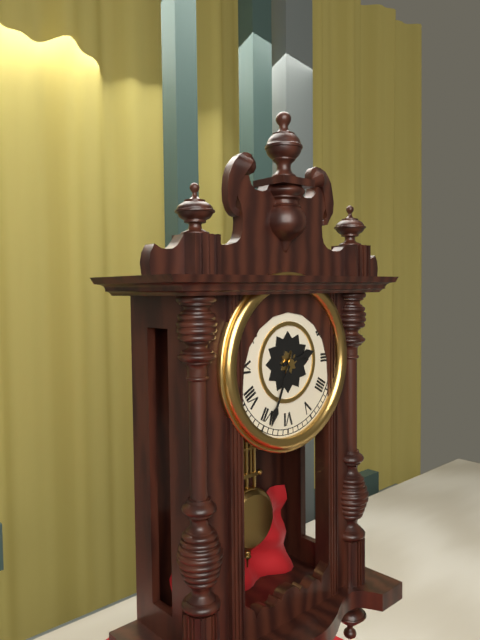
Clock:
2:34
